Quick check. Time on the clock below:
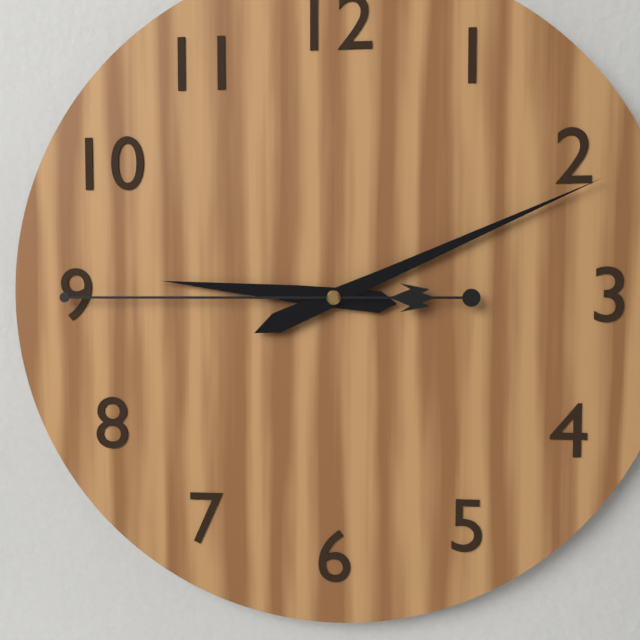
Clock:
9:11:45
